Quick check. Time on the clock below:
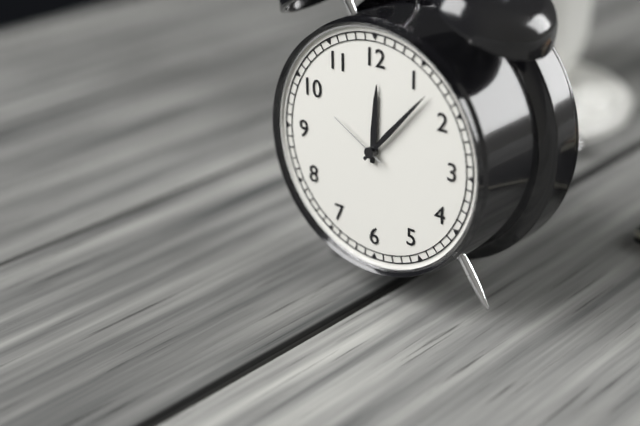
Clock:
12:07:50
